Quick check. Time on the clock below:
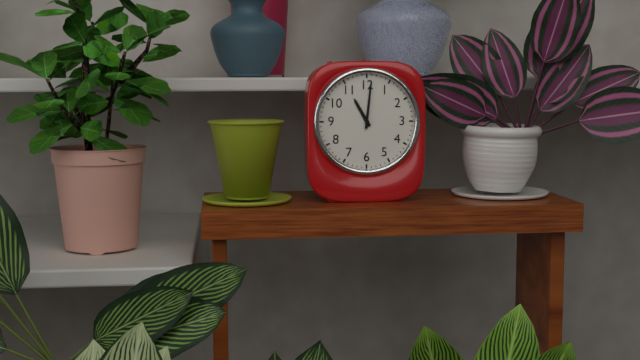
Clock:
11:01
